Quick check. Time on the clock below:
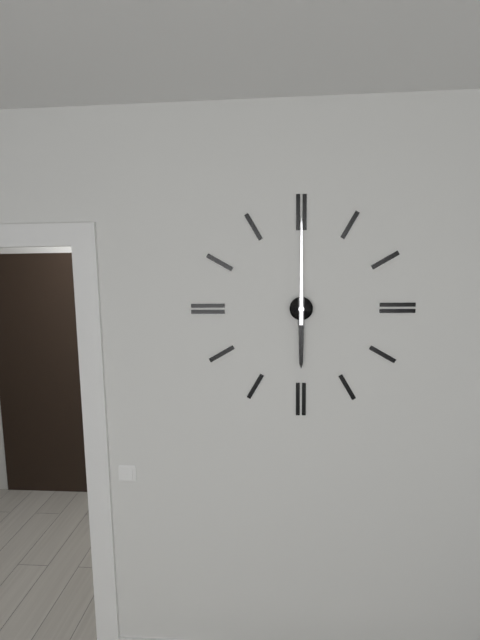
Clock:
6:00
